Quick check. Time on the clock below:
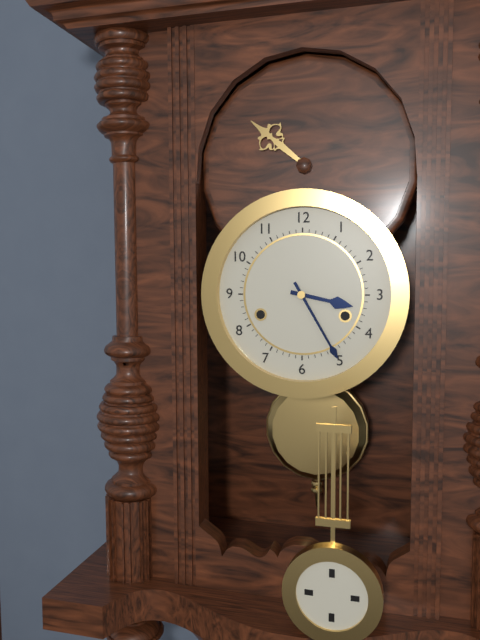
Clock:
3:25
